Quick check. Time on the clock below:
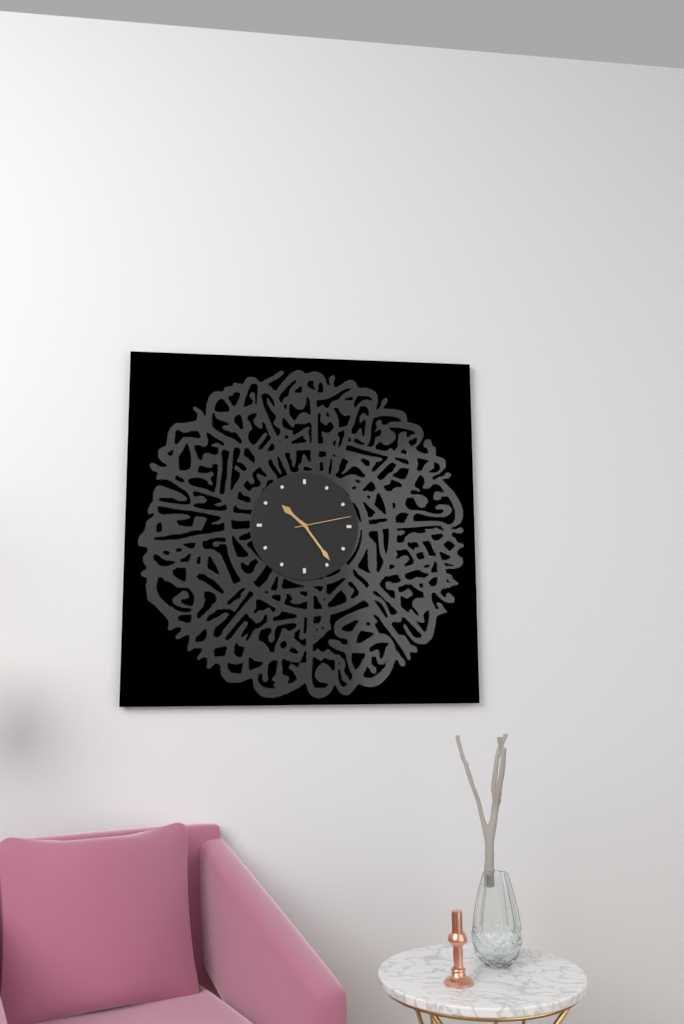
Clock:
10:24:13
